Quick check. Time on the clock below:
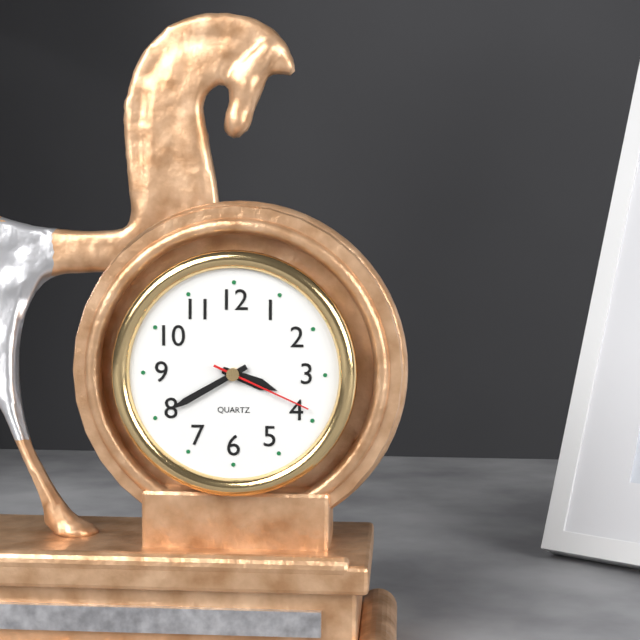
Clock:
3:40:19
